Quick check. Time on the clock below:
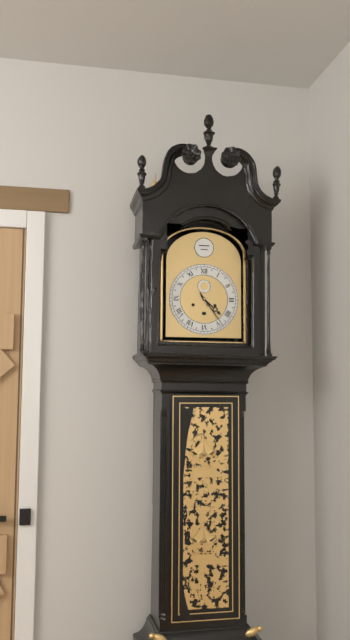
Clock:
4:24
